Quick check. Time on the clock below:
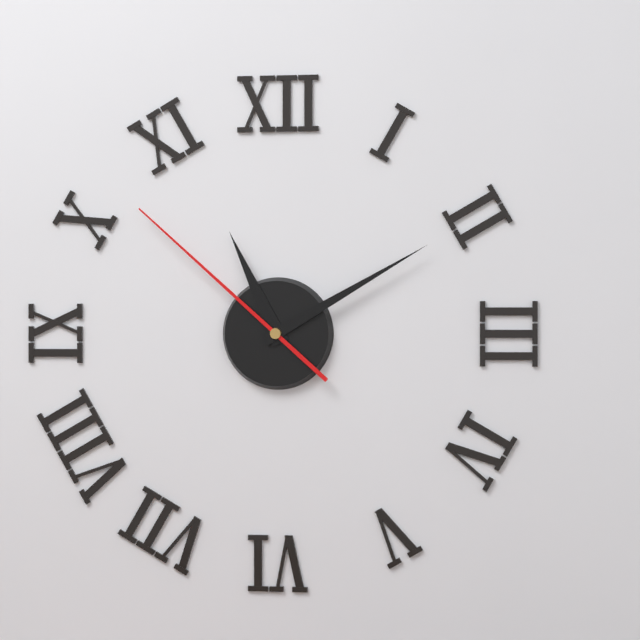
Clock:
11:10:52
